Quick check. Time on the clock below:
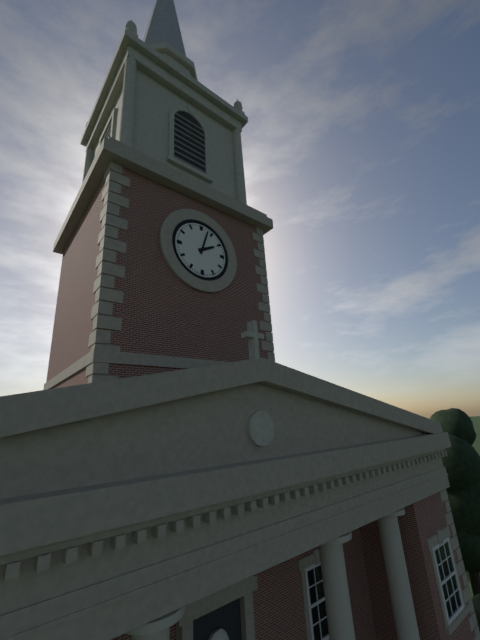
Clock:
2:03
